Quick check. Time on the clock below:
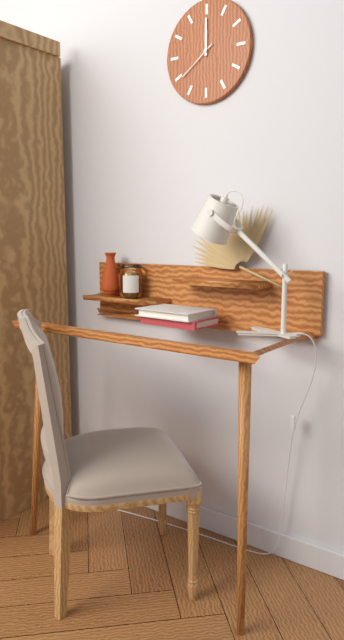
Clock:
12:00
